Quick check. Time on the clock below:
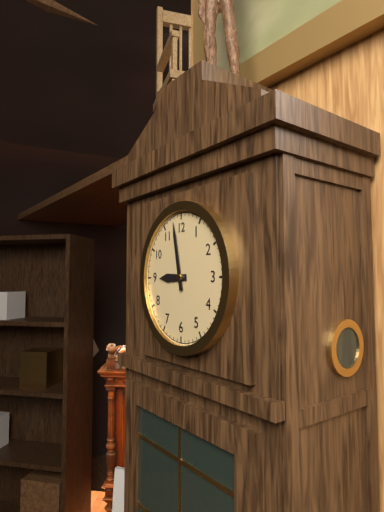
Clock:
8:58
